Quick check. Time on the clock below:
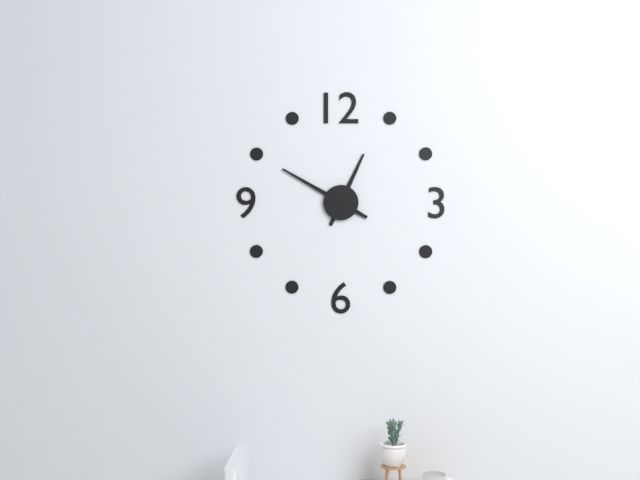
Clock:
12:50
